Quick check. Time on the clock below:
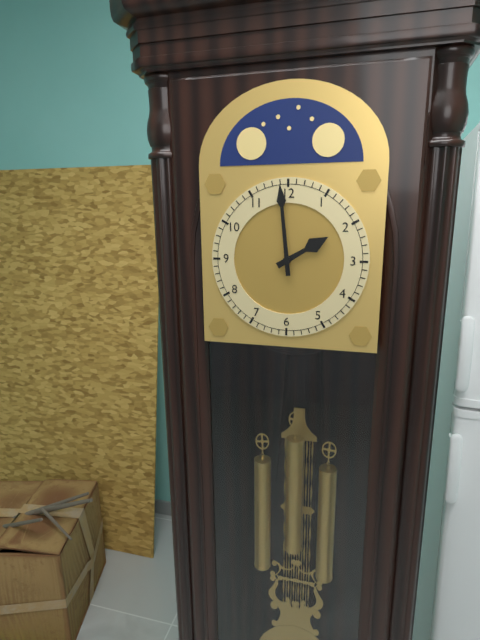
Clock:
1:59
